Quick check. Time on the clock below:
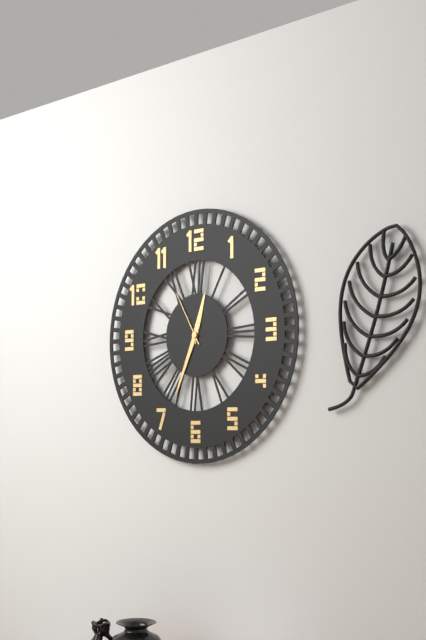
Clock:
12:34:55
